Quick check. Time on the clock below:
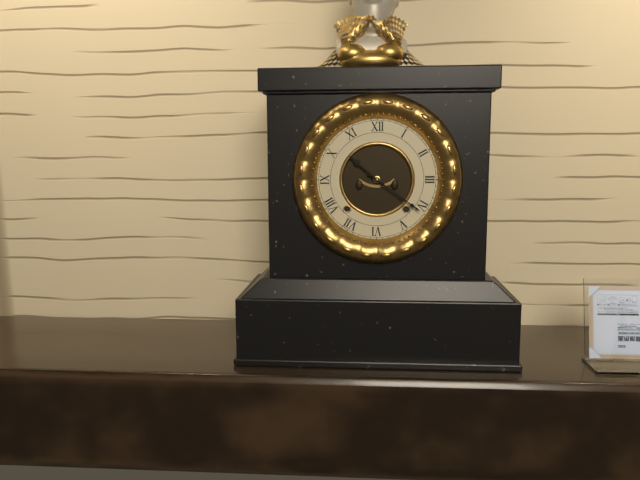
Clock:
10:21
